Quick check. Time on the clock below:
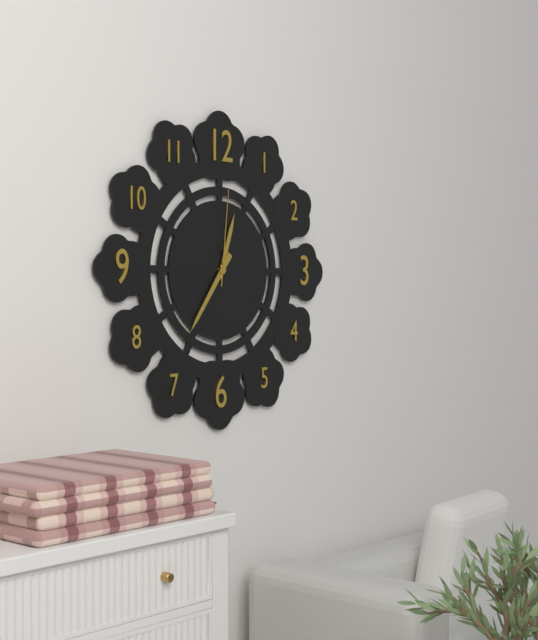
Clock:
12:36:01
